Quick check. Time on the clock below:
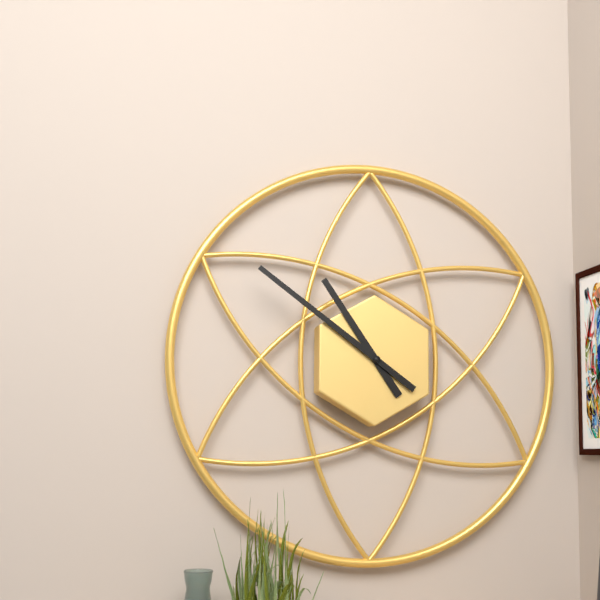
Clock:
10:51
